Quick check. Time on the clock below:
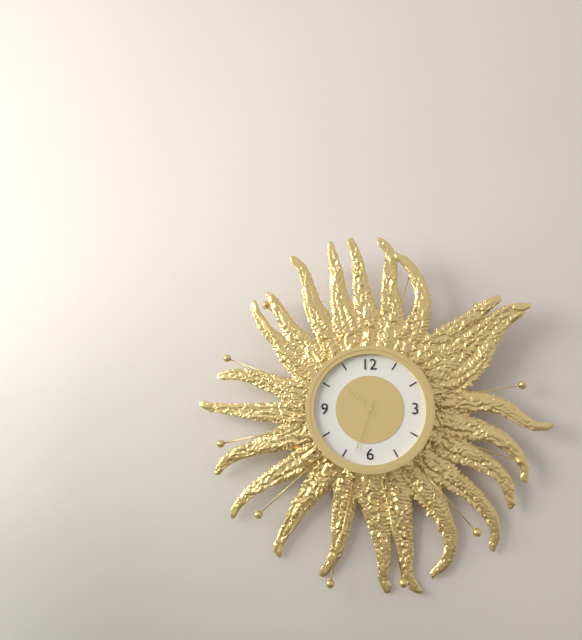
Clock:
10:33
